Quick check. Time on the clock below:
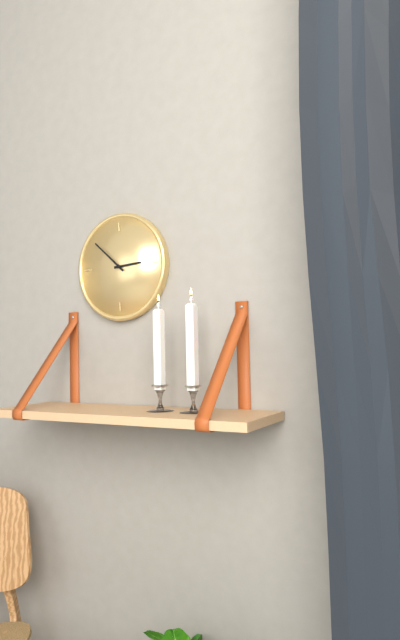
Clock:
2:52
